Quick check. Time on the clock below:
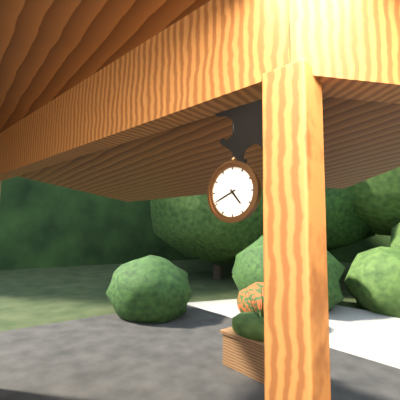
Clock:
4:41
